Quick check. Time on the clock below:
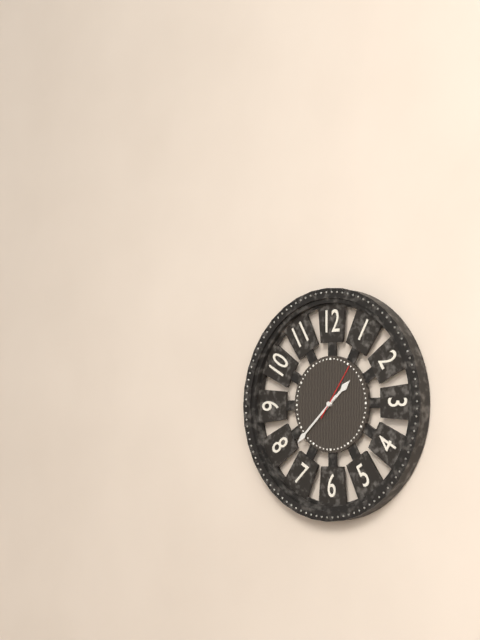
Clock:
1:38:06
